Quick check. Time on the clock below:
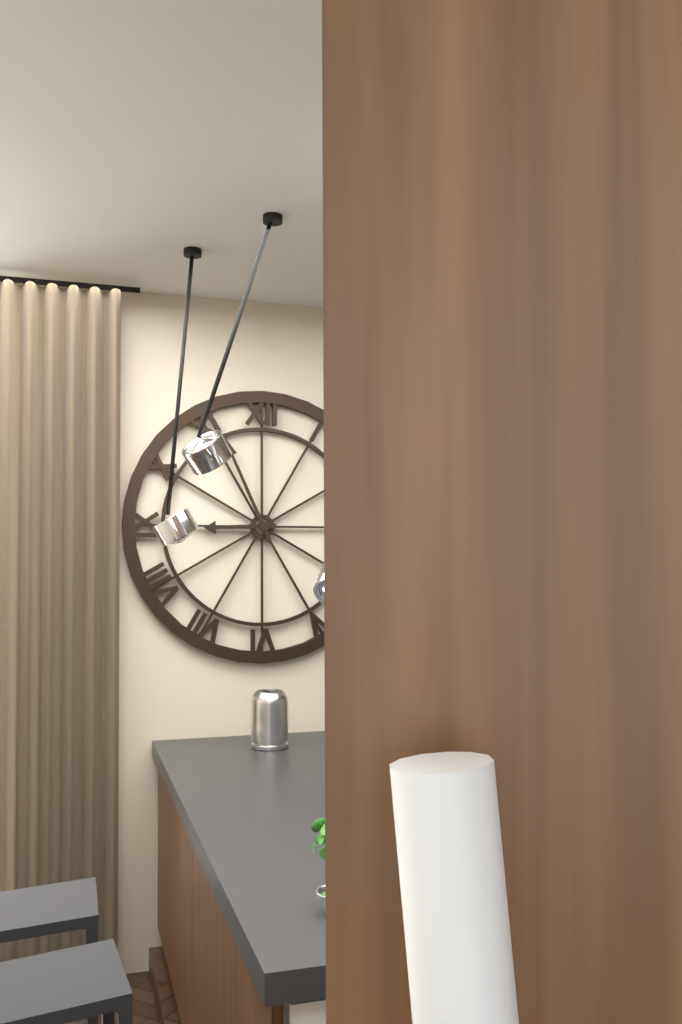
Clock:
8:56
